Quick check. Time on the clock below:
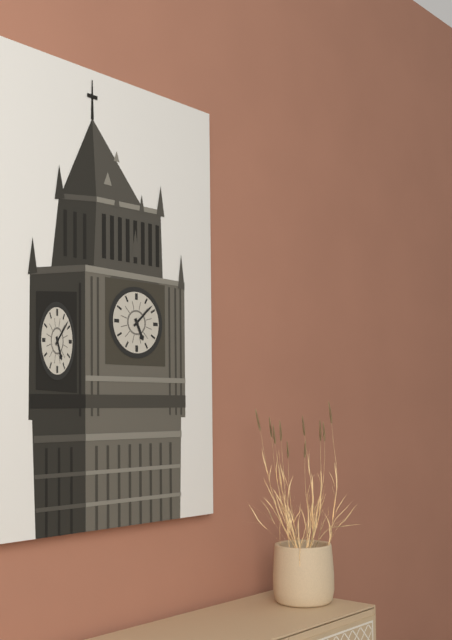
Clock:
5:08
